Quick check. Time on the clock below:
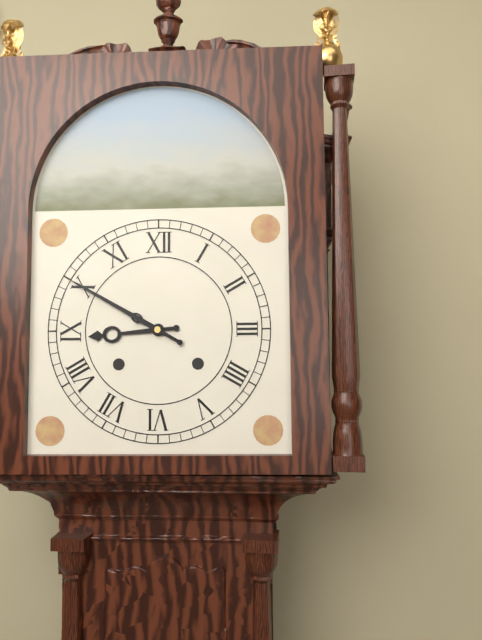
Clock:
8:50
